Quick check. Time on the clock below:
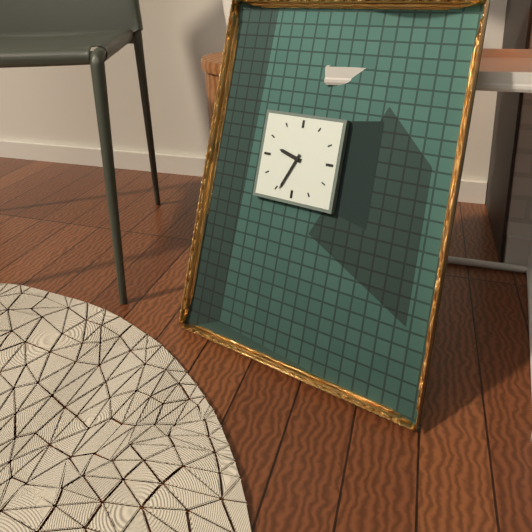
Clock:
9:34
